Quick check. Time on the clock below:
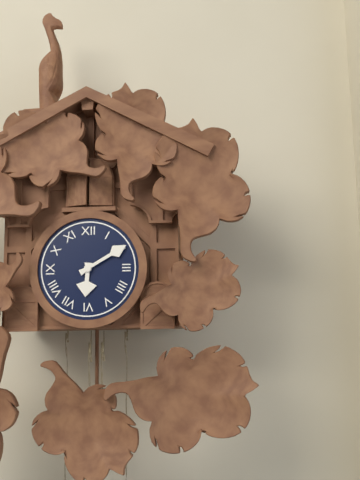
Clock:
6:10
